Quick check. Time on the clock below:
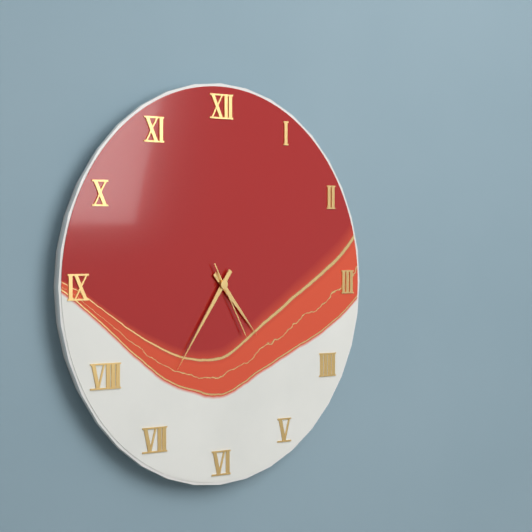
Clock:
4:36:25
